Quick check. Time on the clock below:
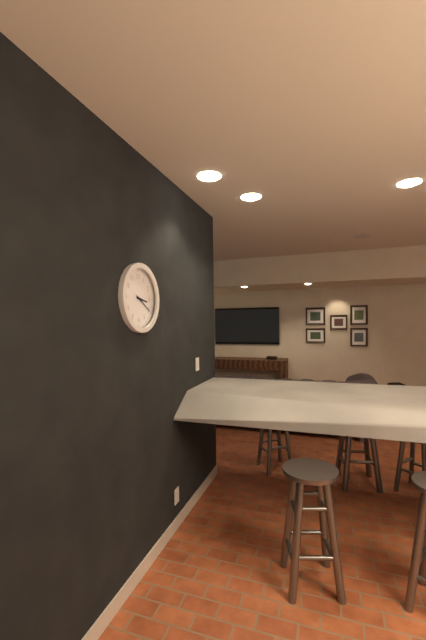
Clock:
3:20
